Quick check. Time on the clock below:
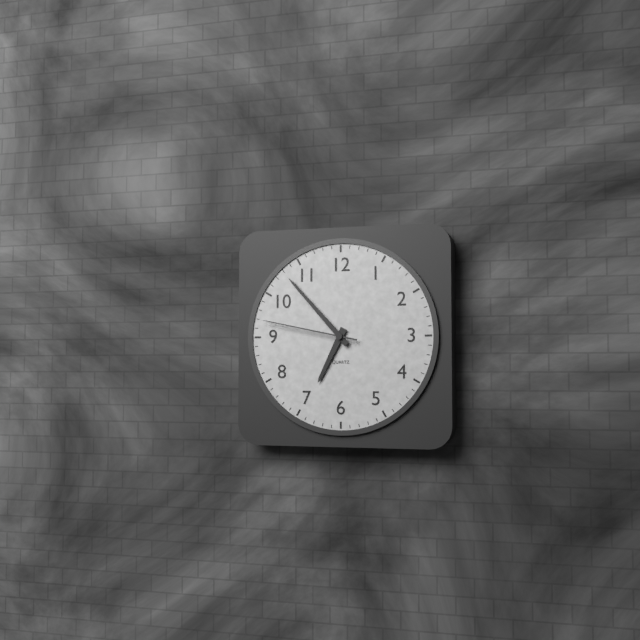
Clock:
6:53:47
